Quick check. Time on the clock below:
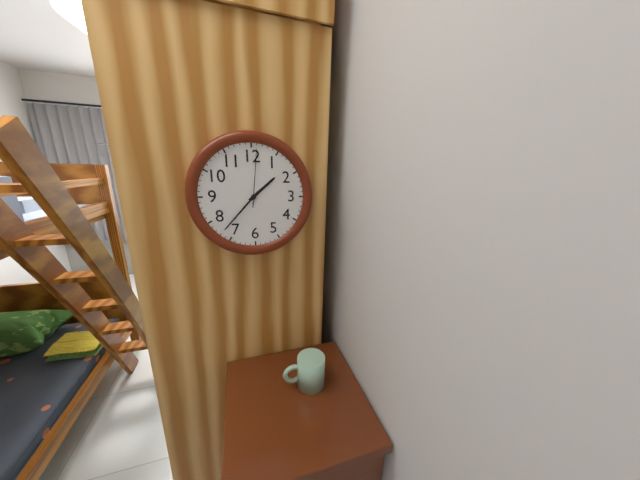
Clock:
1:37:01
